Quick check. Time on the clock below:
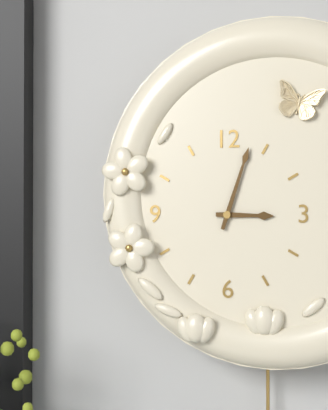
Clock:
3:03
